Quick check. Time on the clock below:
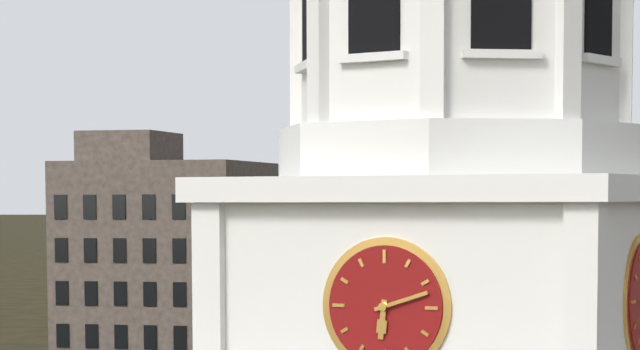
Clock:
6:12
